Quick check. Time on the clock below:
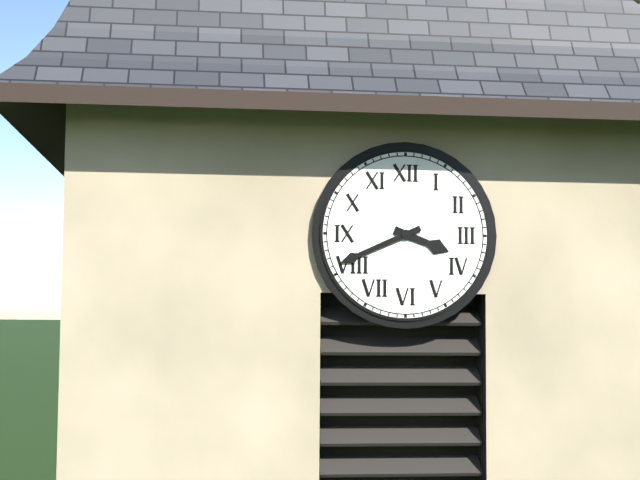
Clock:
3:41
